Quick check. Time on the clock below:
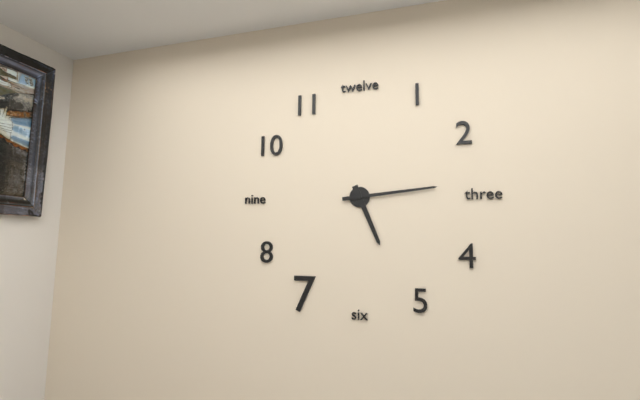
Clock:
5:14
